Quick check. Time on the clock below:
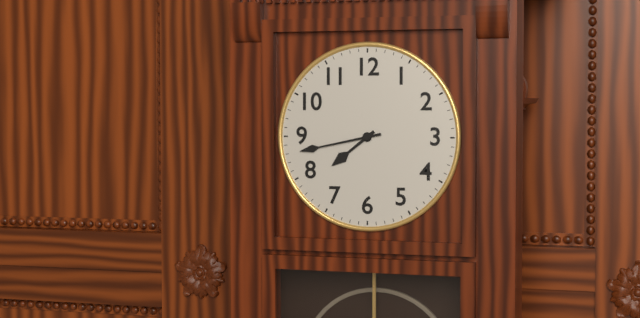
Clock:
7:43
